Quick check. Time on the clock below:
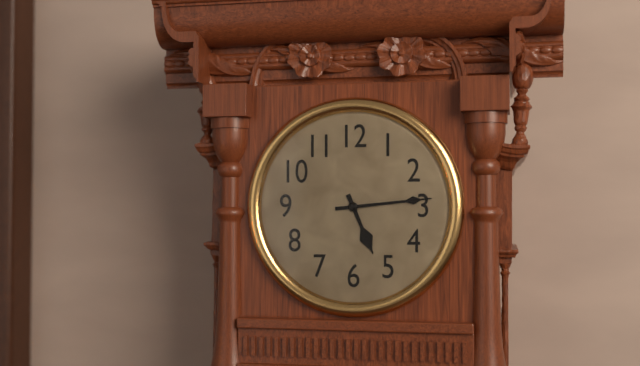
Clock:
5:14
